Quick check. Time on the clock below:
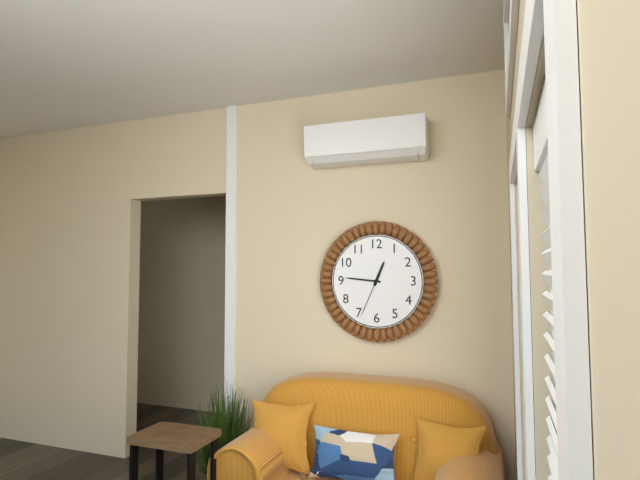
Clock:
12:46
